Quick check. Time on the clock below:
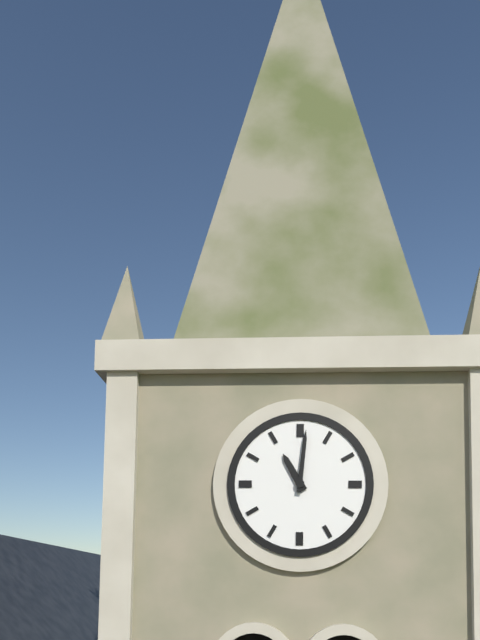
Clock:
11:01
